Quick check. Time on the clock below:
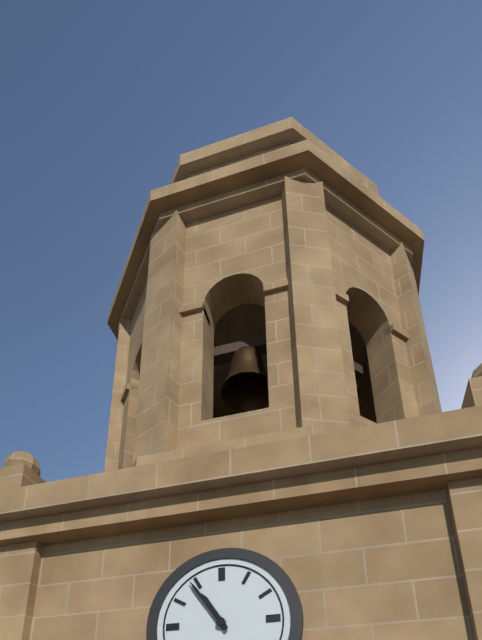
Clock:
10:54
